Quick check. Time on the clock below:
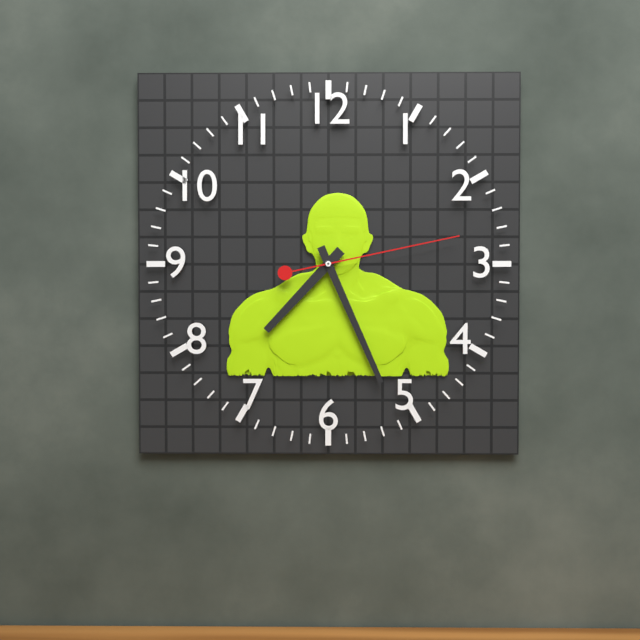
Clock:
7:26:13
